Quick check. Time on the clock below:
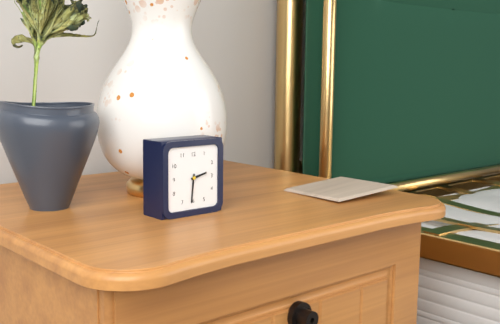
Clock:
2:31
